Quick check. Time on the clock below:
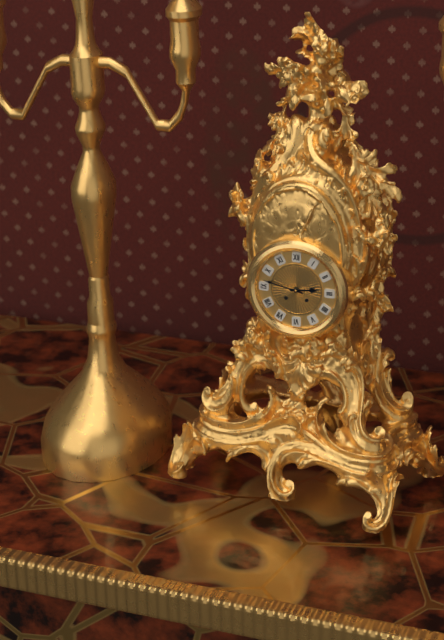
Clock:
2:47
